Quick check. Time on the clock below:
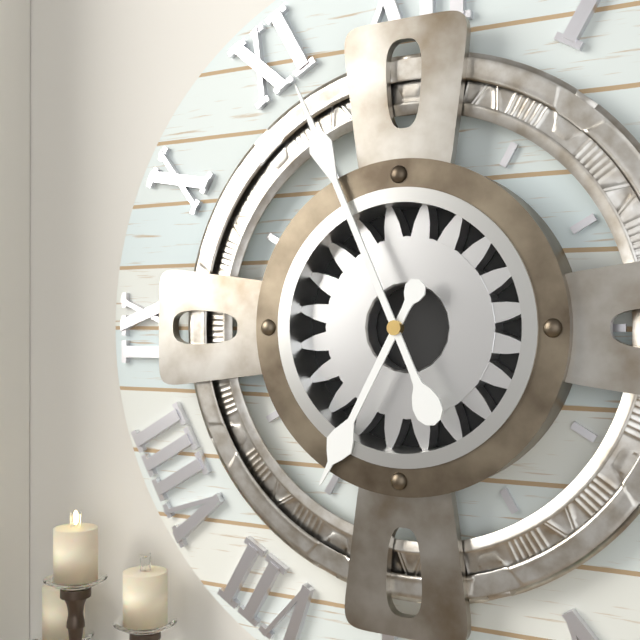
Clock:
6:56
